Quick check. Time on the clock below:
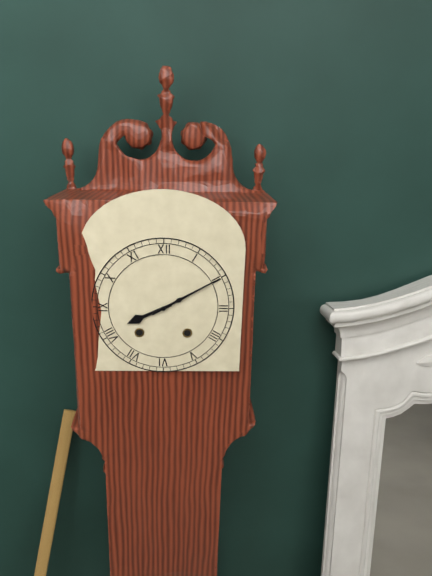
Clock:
8:10
